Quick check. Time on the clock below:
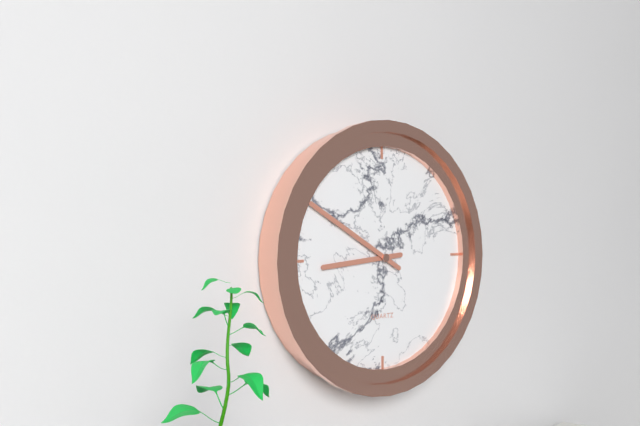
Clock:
8:50
